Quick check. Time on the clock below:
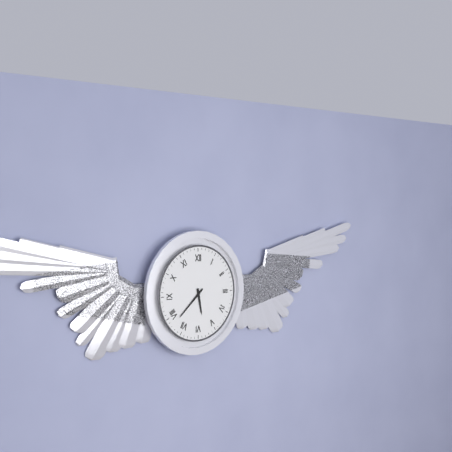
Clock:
5:38
